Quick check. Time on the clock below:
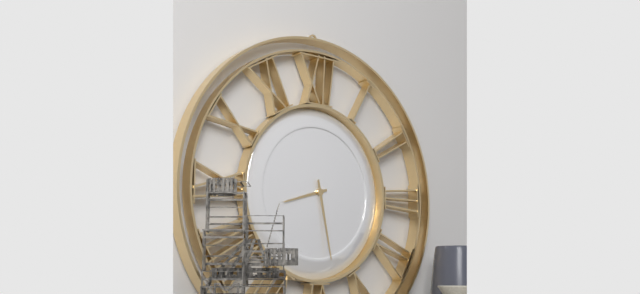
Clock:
8:28
